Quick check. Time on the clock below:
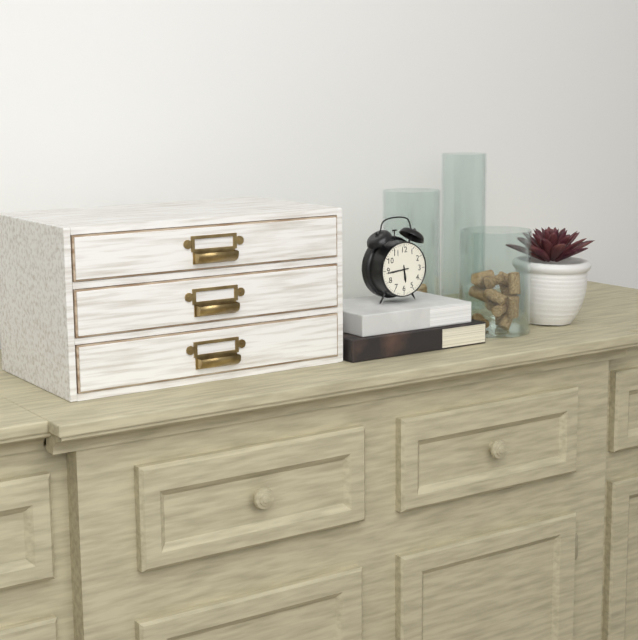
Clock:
5:44
